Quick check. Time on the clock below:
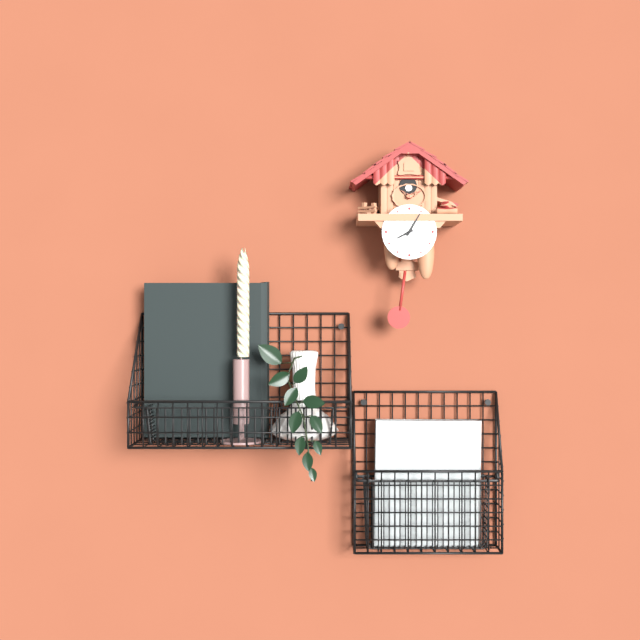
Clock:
8:05
